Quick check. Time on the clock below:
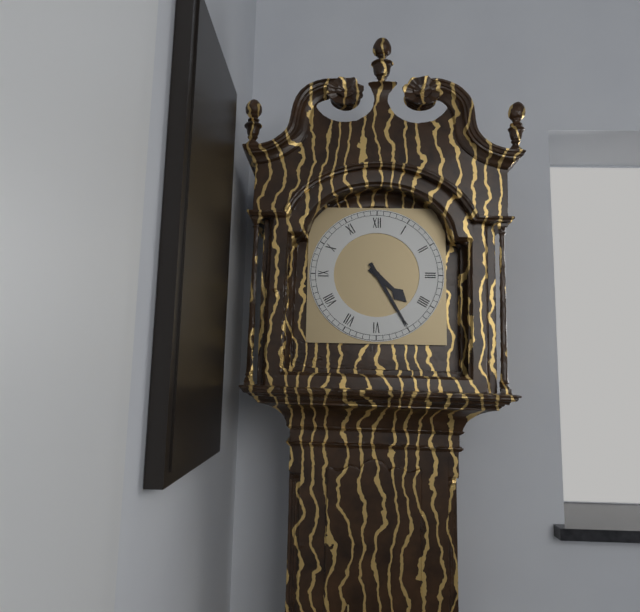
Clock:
4:25
